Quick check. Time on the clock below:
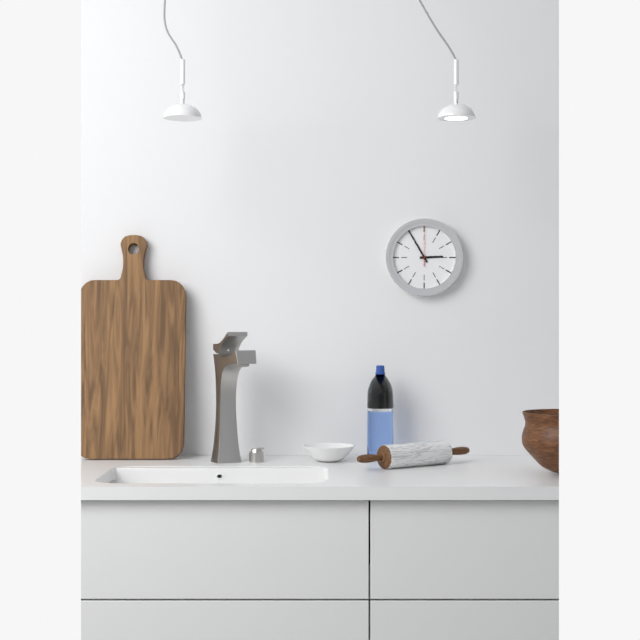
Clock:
2:55
